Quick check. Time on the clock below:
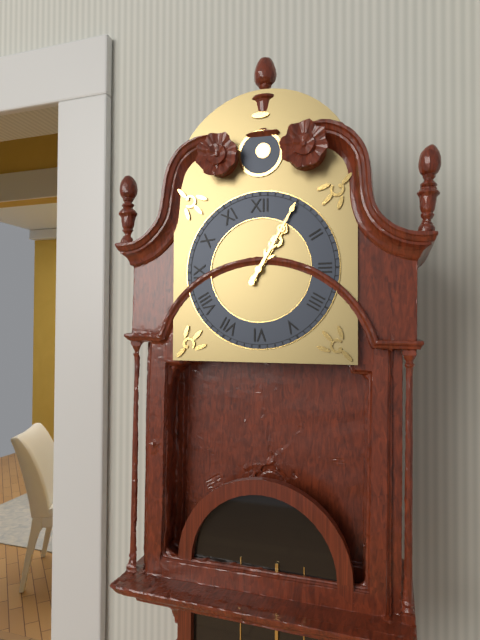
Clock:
1:05
